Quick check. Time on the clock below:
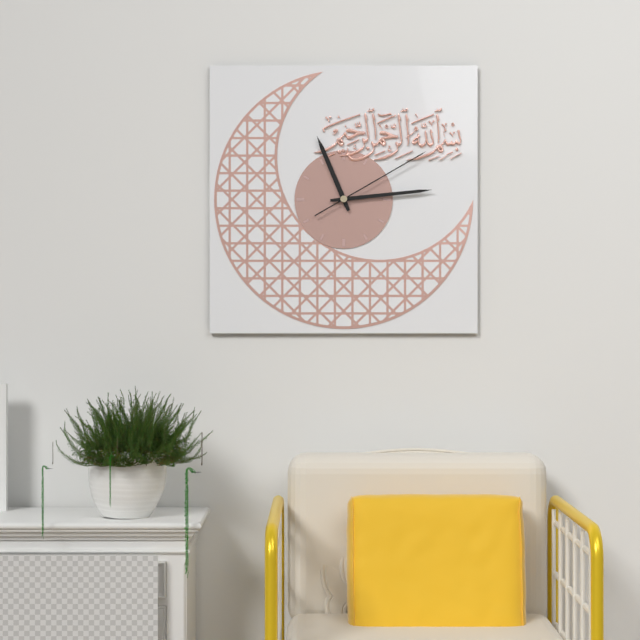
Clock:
11:14:10
